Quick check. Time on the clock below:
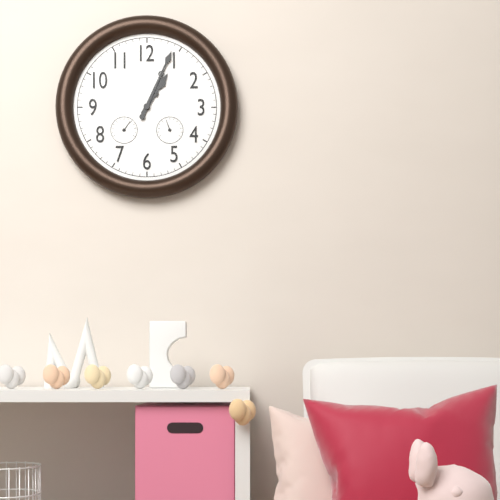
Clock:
1:04
